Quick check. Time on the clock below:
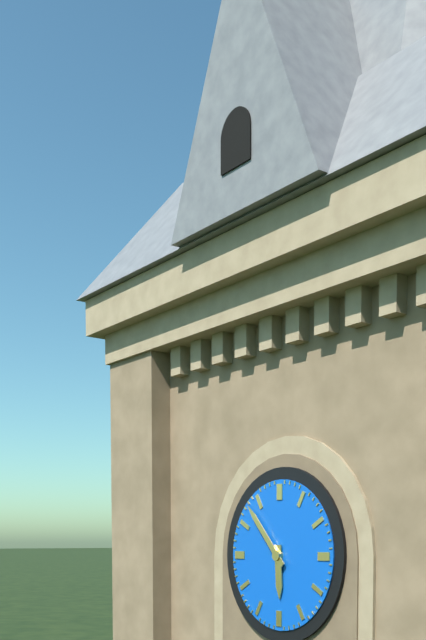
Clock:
5:53
